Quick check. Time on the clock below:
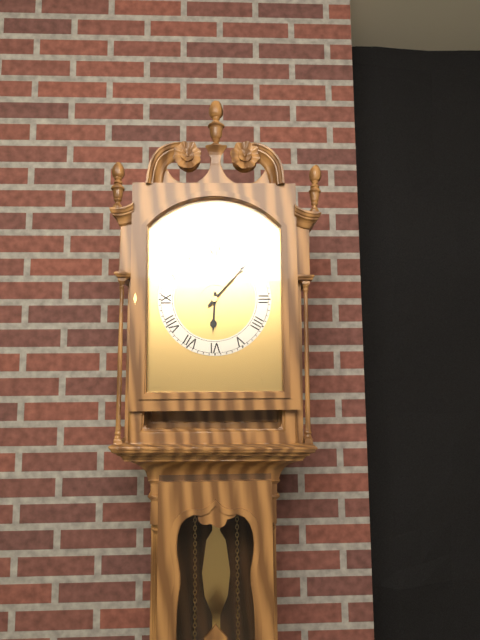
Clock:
6:07
